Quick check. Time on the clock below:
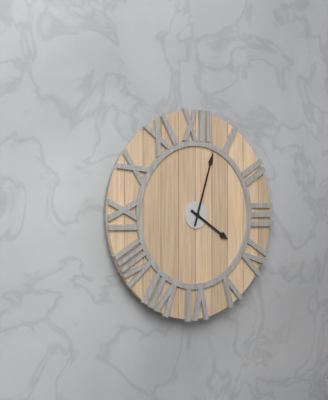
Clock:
4:03
